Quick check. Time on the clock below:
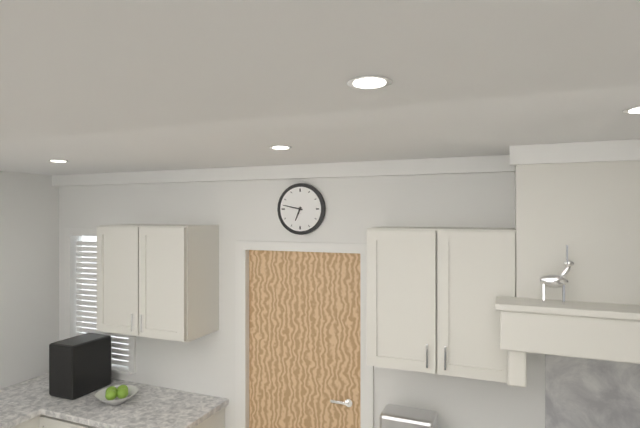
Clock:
6:47
